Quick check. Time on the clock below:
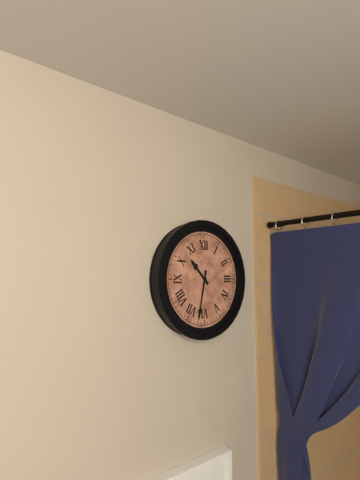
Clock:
10:32
